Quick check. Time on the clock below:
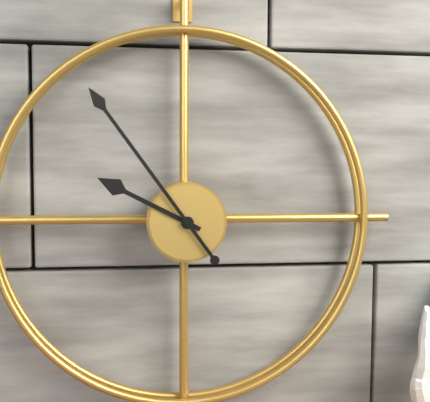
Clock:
9:54
